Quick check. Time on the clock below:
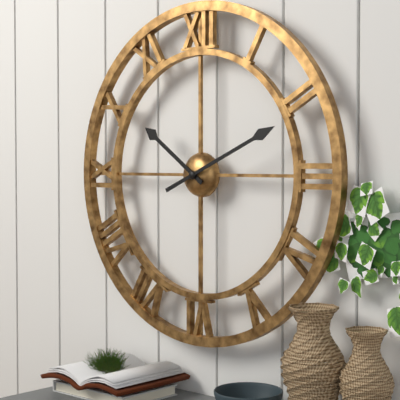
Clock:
10:11
